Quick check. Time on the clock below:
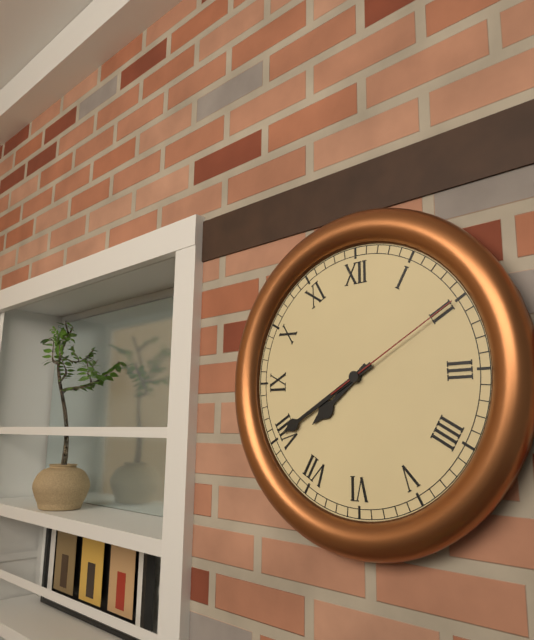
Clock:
7:40:10
